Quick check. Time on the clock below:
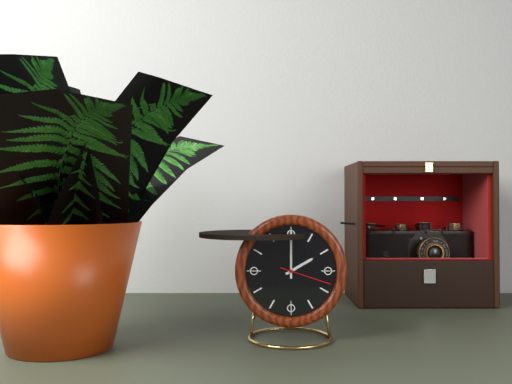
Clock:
2:00:18
